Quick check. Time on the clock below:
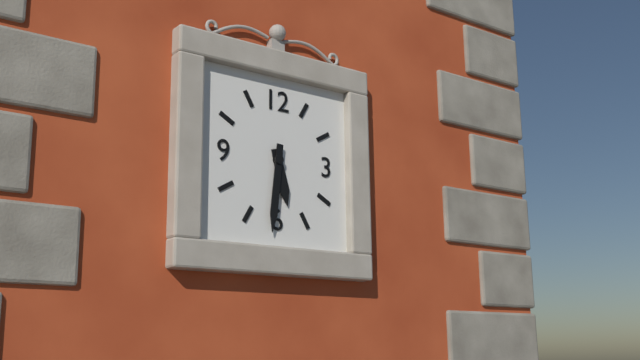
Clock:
5:31
